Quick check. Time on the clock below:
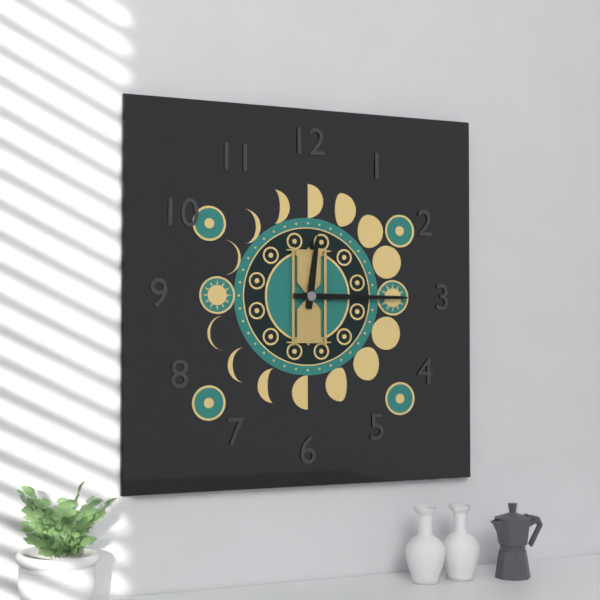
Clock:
12:15
